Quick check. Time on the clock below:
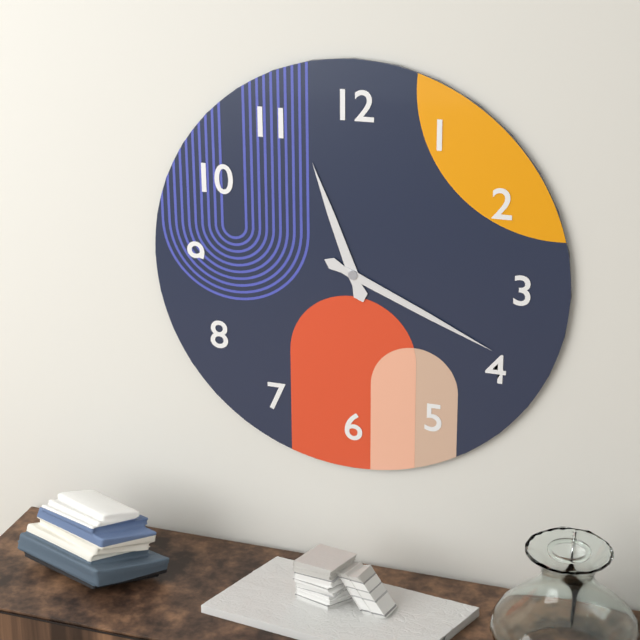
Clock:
11:19
